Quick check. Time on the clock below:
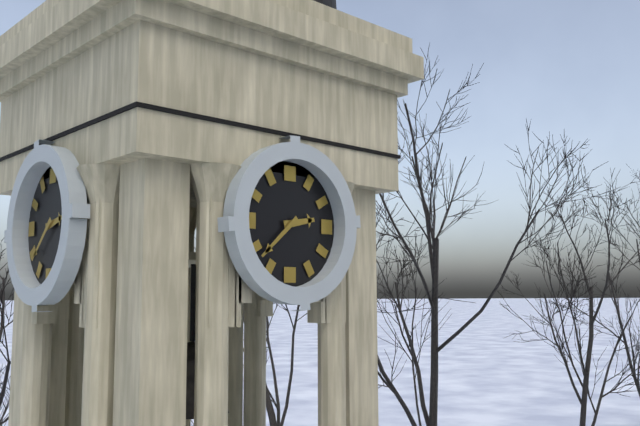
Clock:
2:38
